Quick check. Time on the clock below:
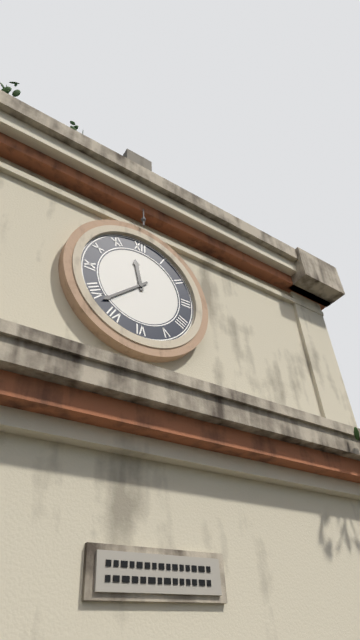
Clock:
11:38
